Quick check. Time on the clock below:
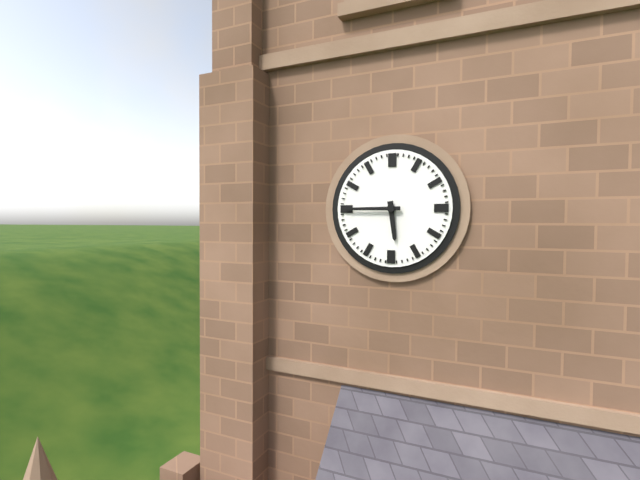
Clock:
5:45
